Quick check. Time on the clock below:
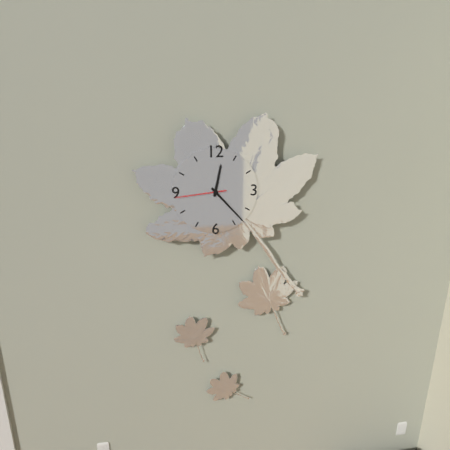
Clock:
12:23:44
